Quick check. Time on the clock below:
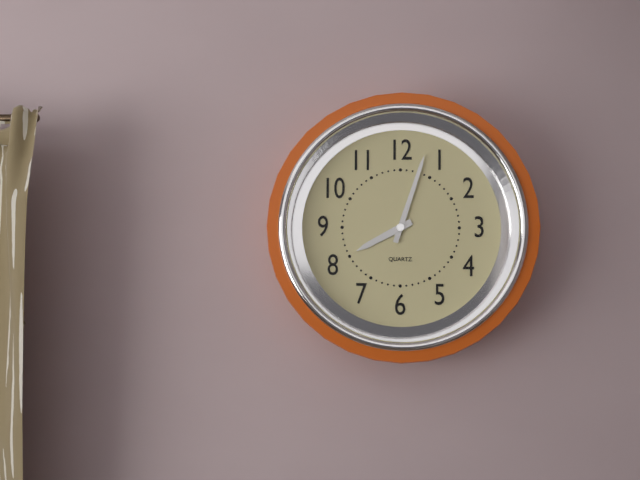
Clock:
8:03
